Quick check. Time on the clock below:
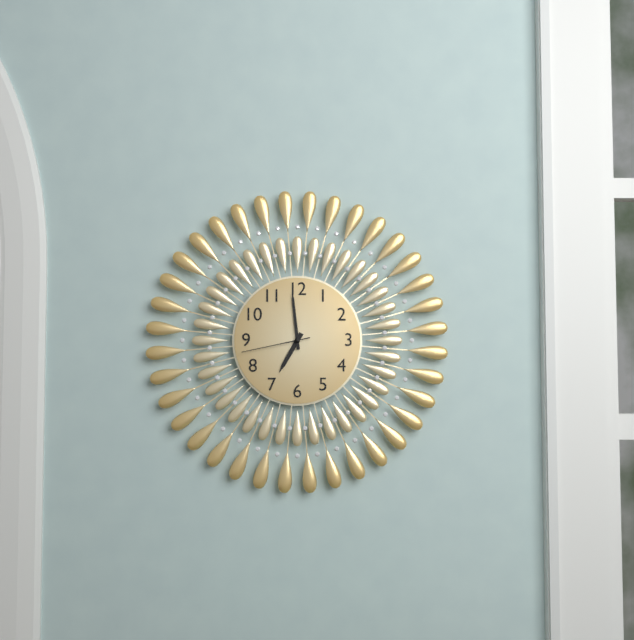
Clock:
6:59:43
